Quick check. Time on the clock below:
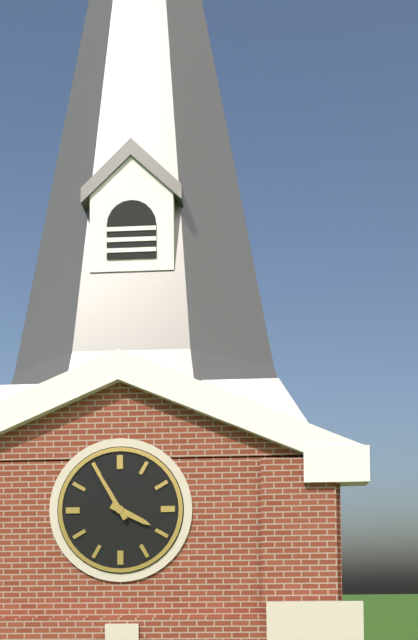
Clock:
3:55
